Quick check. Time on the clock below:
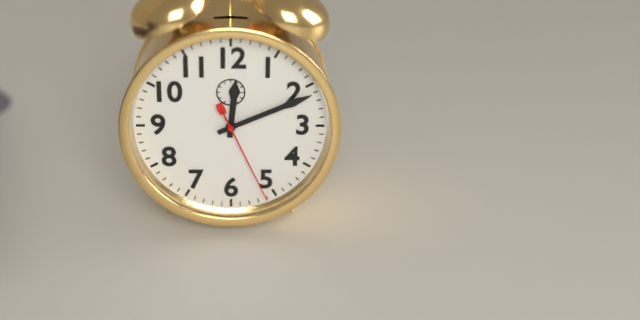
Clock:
12:11:26
